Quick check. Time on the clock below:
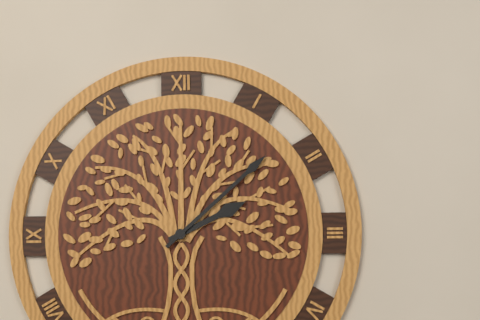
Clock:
2:08
